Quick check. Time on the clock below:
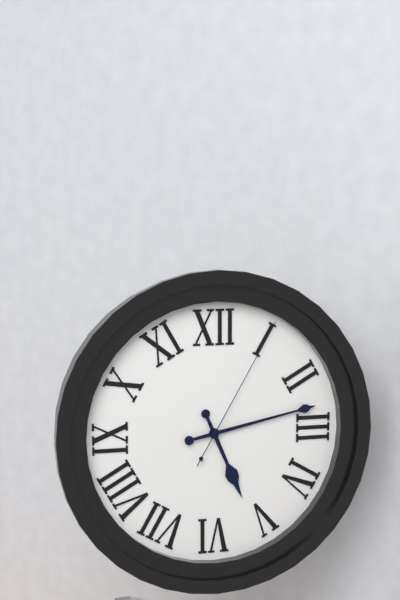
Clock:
5:13:05
